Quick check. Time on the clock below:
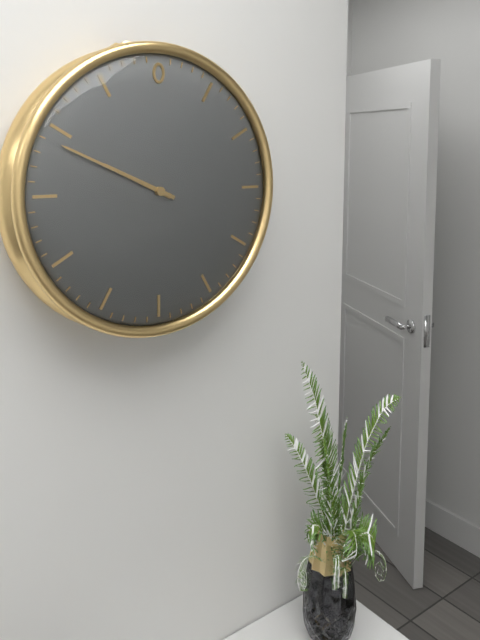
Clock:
9:49
